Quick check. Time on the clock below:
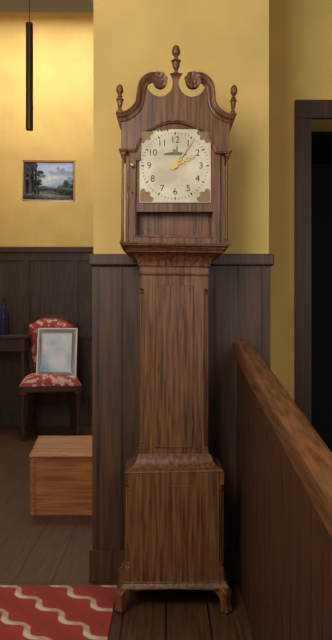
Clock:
2:06
